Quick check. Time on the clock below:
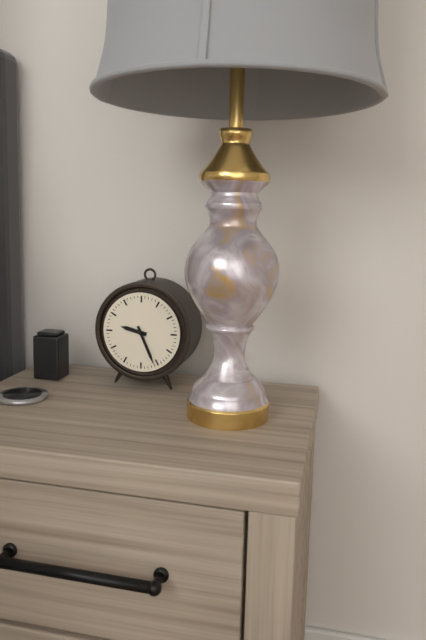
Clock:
9:26
